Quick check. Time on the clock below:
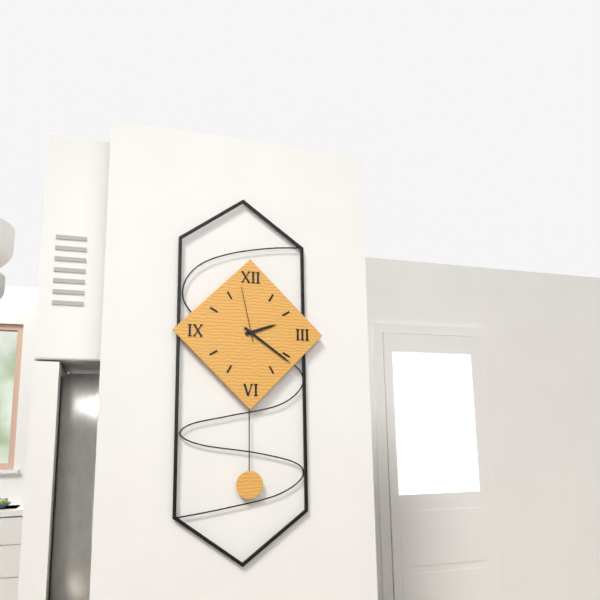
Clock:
2:21:58
